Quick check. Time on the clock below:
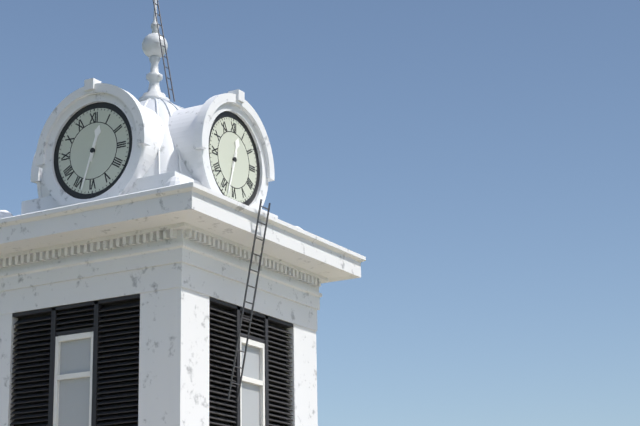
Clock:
12:33
